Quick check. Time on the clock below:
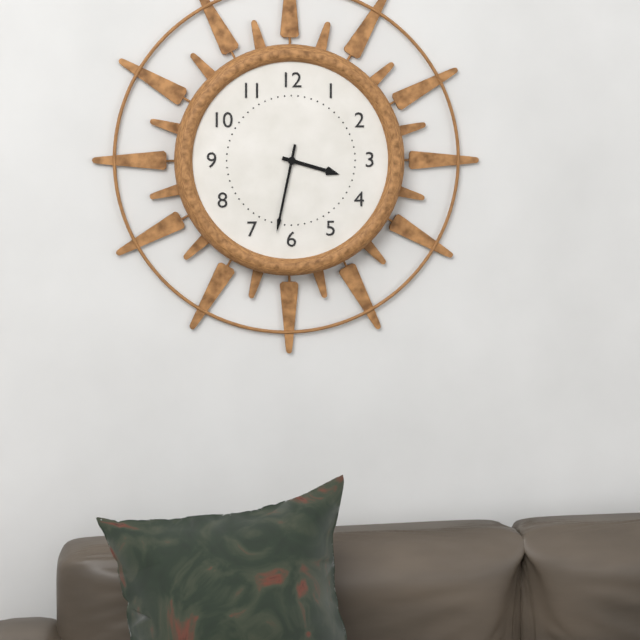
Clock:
3:32
